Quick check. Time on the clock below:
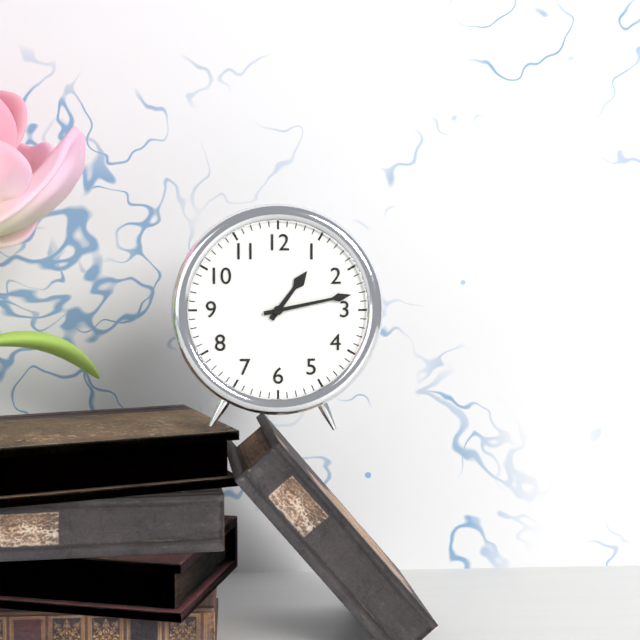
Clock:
1:13
